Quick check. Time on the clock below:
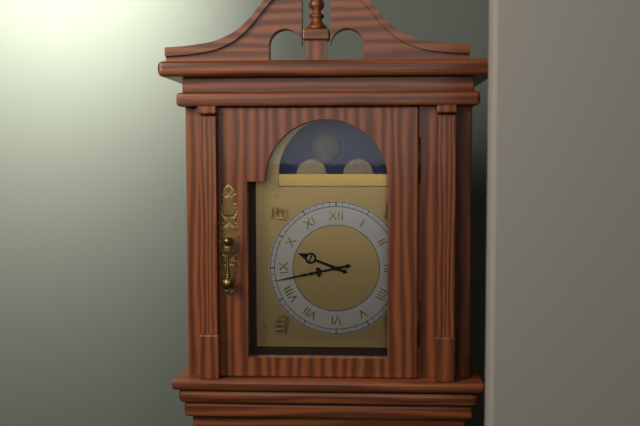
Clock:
9:43
